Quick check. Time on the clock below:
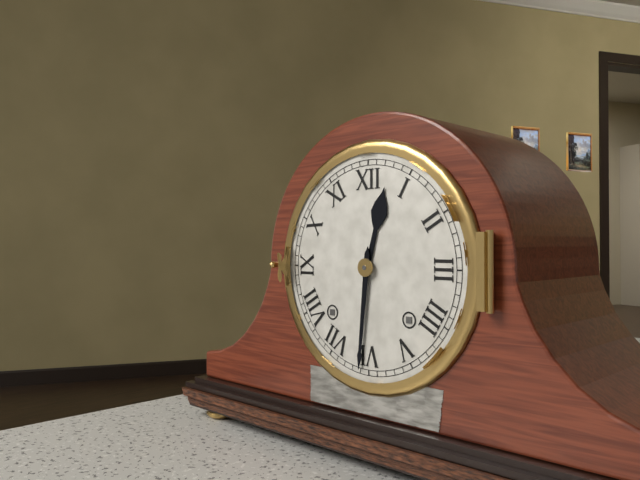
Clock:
12:31
